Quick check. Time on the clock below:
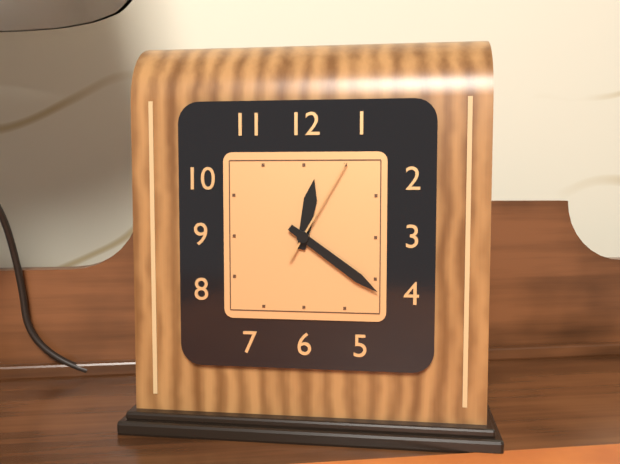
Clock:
12:21:05
